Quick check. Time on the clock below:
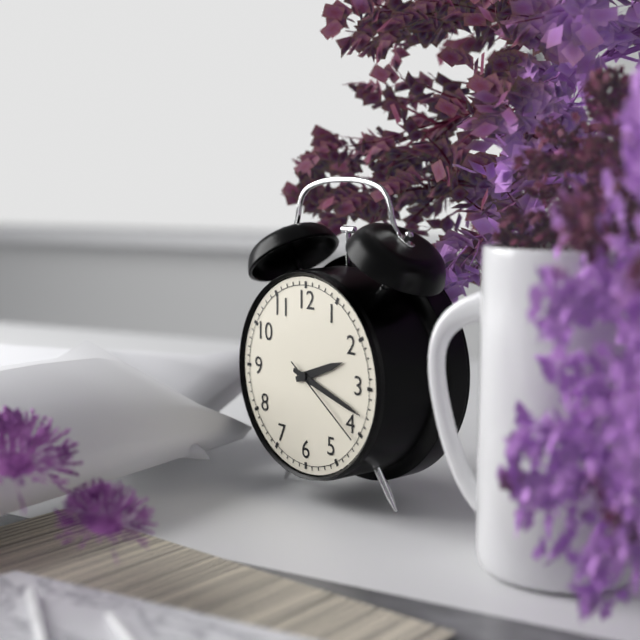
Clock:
2:18:21
